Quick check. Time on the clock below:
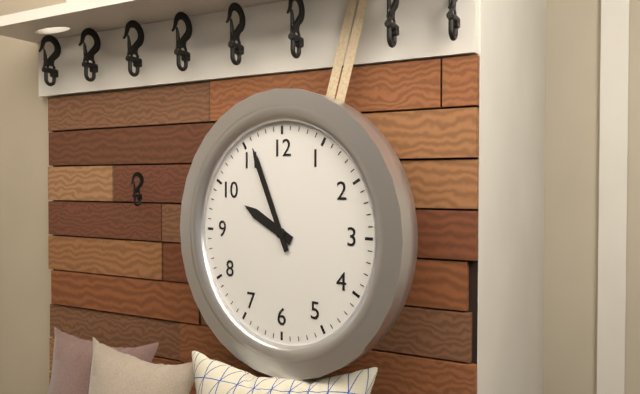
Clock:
9:56
